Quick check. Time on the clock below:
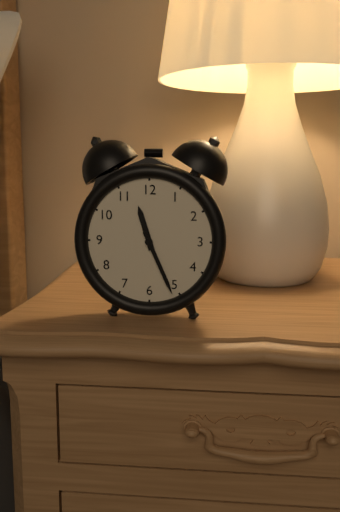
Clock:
11:26
